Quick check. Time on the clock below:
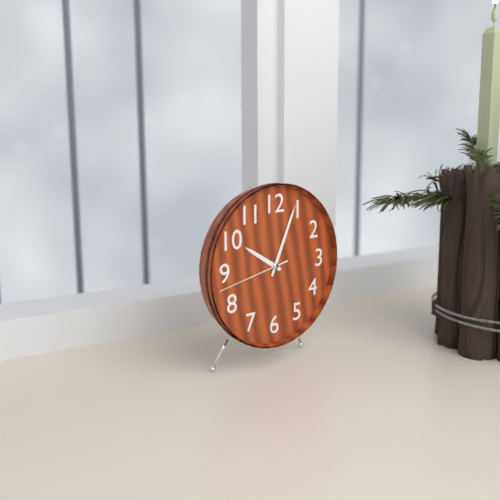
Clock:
10:04:43
